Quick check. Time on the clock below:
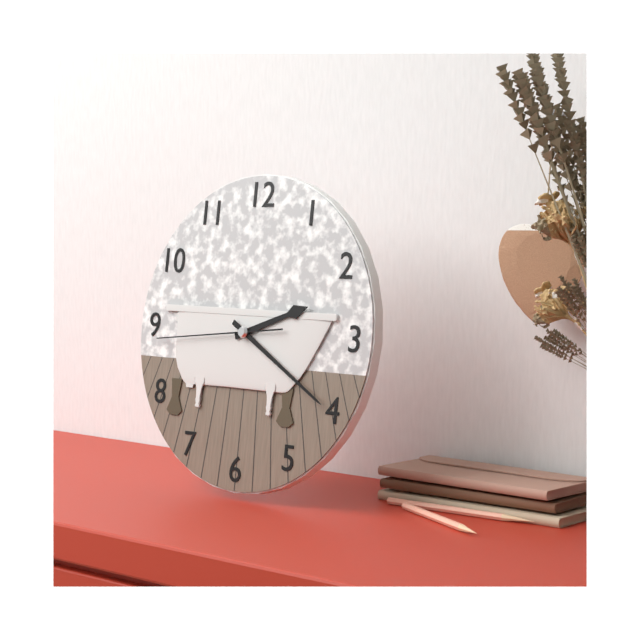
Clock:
2:20:44
